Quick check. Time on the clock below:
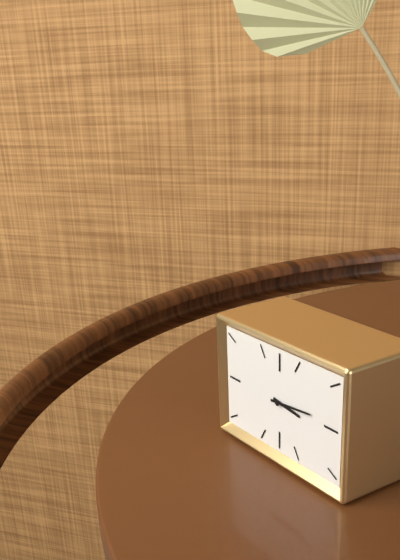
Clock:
3:14
